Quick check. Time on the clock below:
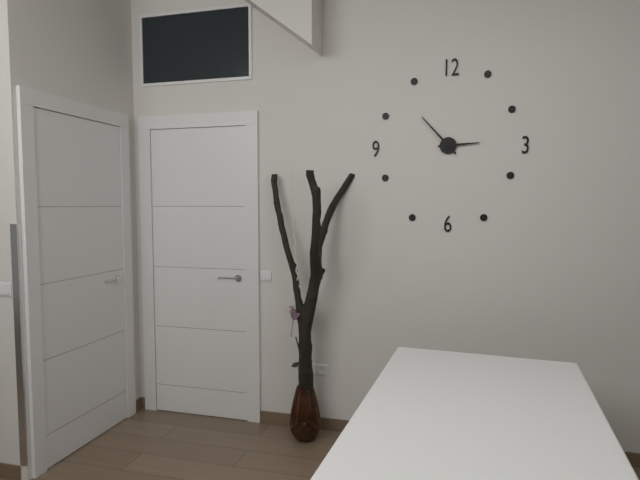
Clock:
2:53
